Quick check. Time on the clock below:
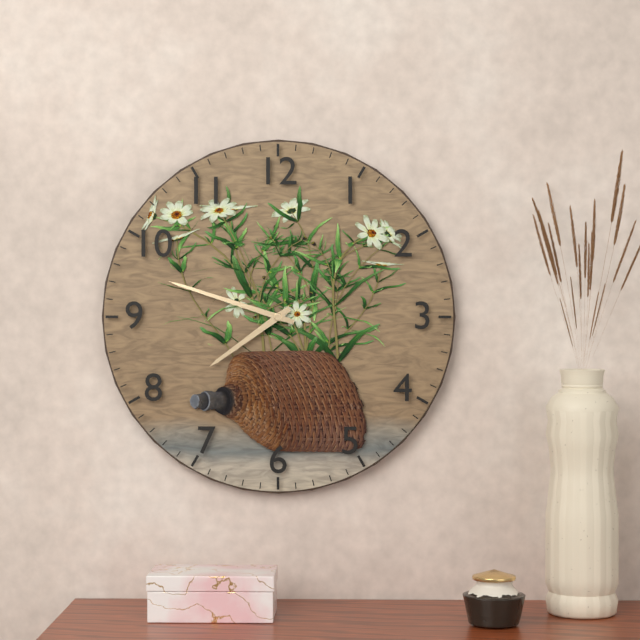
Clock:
7:48
